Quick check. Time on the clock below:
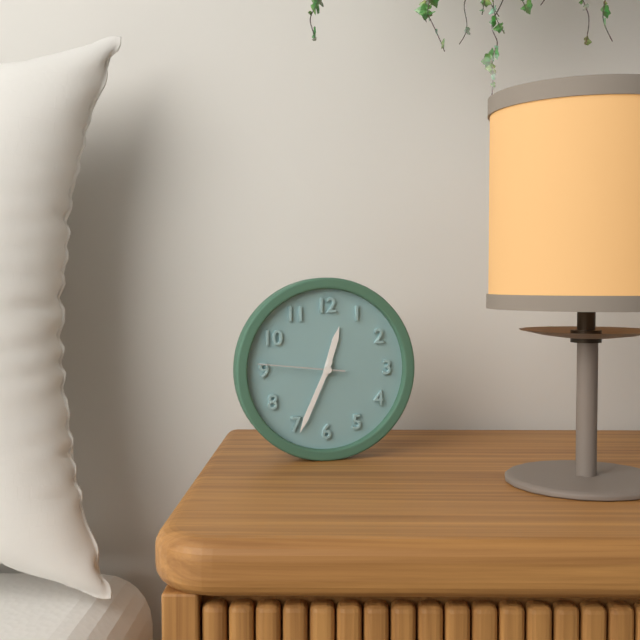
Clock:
12:34:46
